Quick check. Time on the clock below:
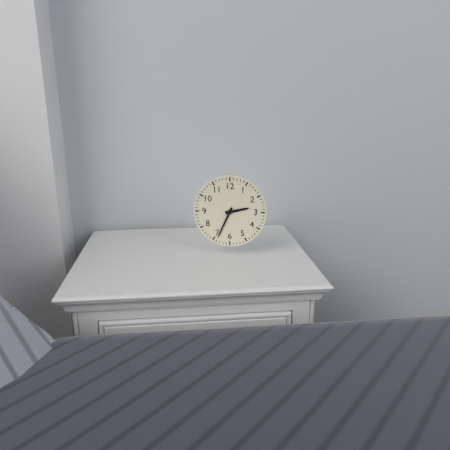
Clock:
2:34
